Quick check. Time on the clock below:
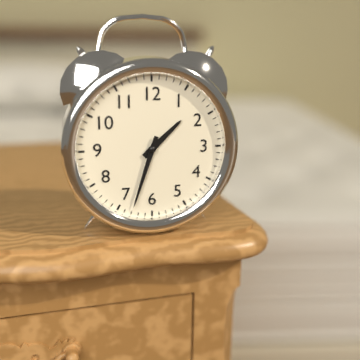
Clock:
1:33
